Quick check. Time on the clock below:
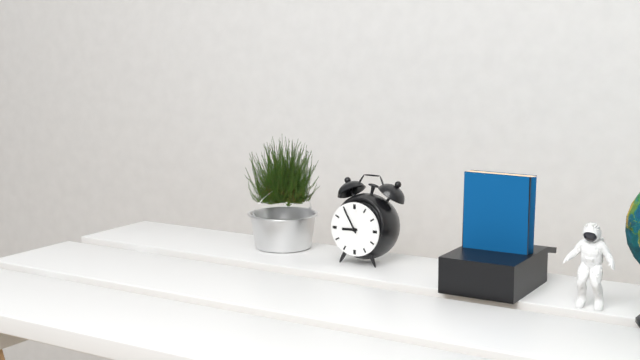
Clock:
8:55
